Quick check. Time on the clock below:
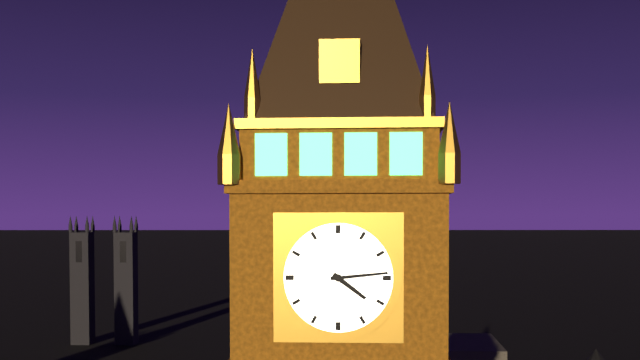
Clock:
4:14
